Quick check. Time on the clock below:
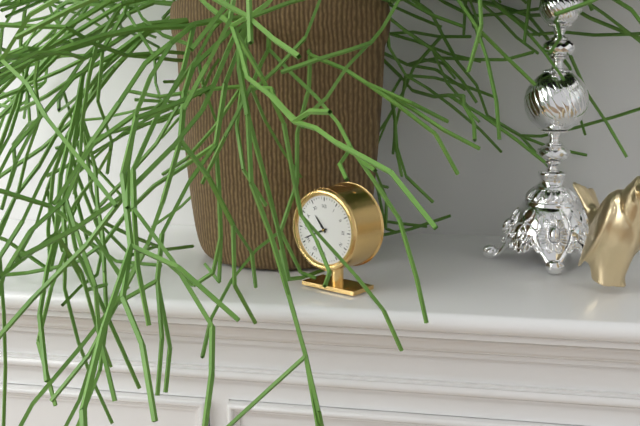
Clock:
10:41
